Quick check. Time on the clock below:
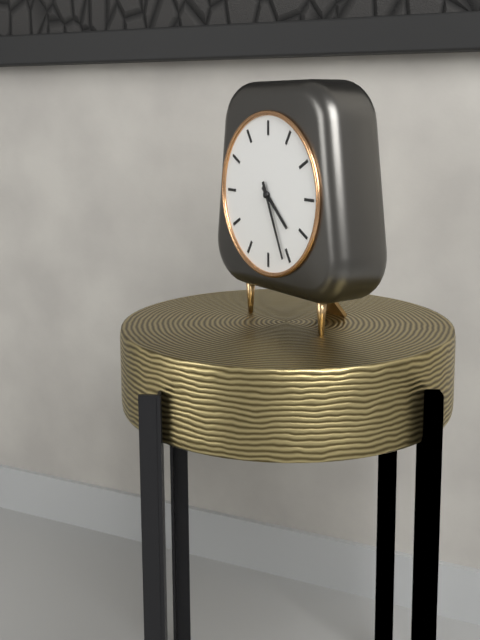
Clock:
4:26
